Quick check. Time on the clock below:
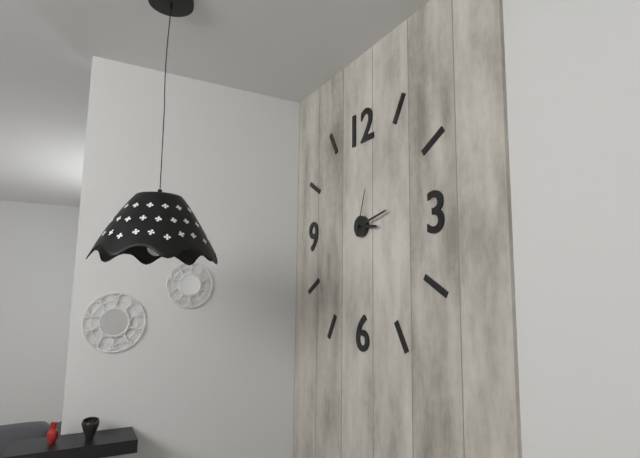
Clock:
3:13
